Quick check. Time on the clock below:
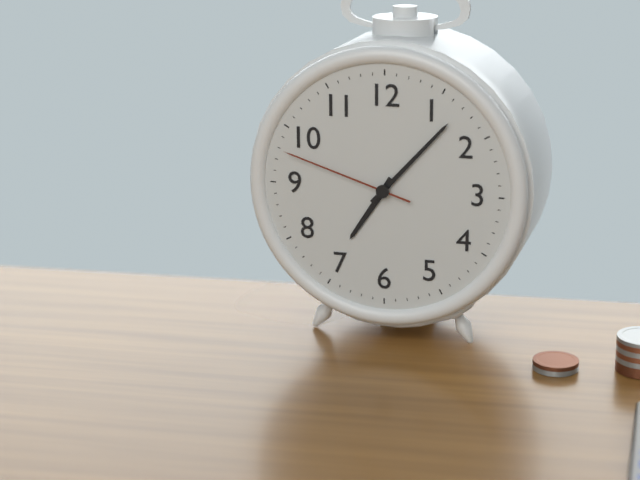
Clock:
7:07:48
